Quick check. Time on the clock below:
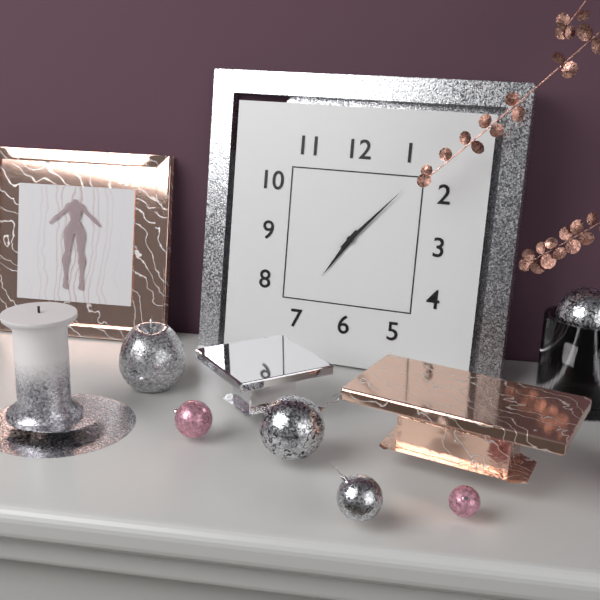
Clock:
7:07
